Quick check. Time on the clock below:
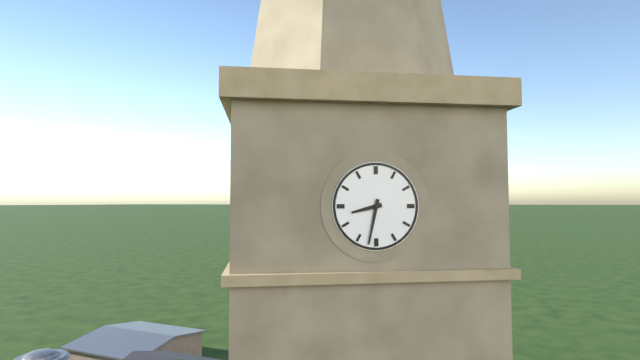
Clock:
8:32
